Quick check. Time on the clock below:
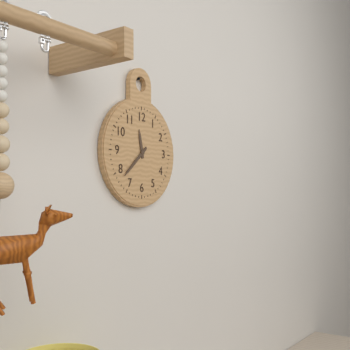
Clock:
11:38
